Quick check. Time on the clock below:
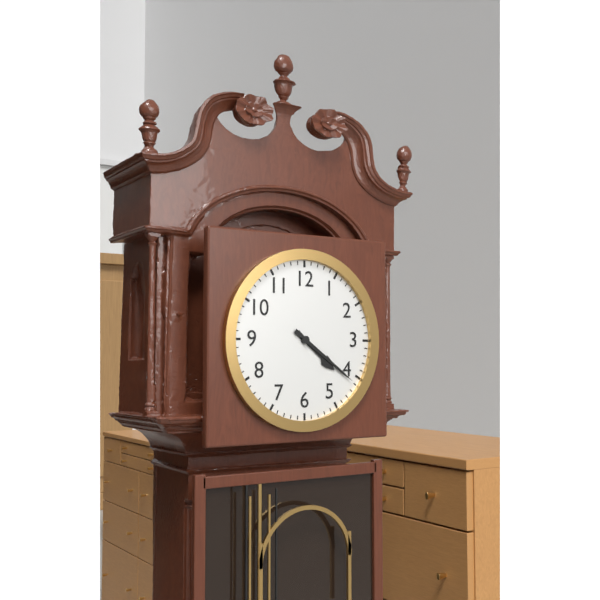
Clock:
4:21
